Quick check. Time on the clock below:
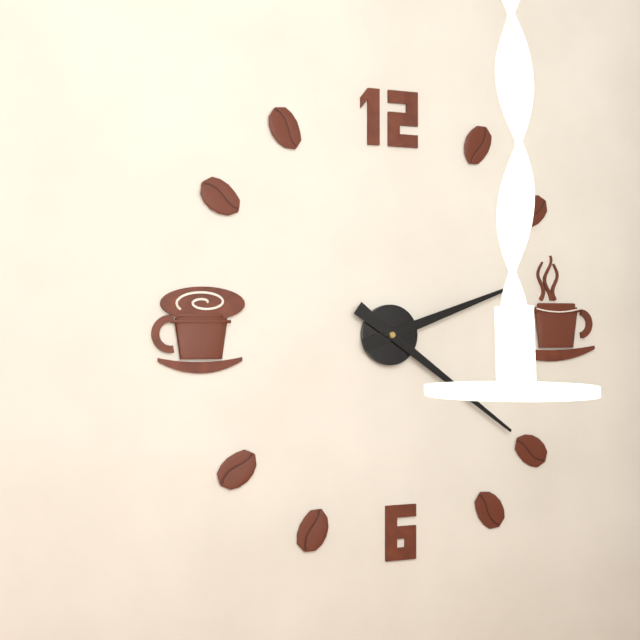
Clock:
2:21
